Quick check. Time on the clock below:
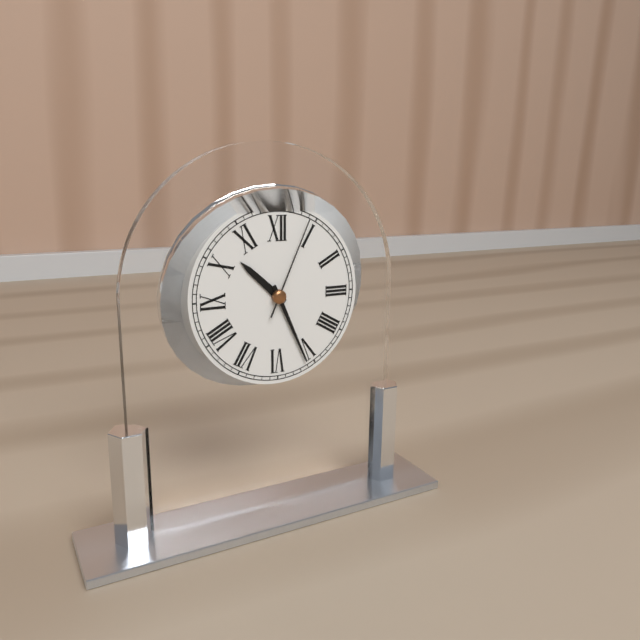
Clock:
10:26:04
